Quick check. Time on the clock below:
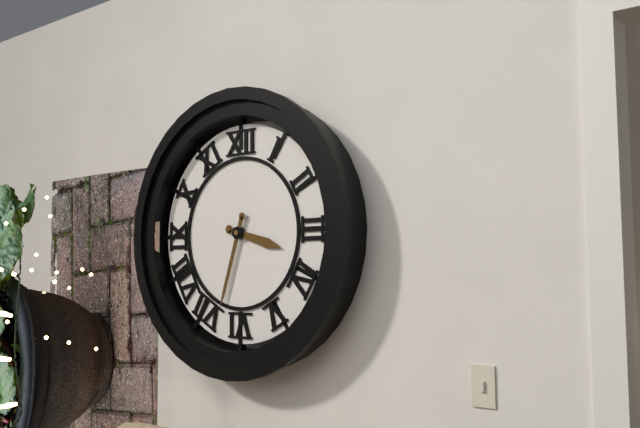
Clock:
3:33
